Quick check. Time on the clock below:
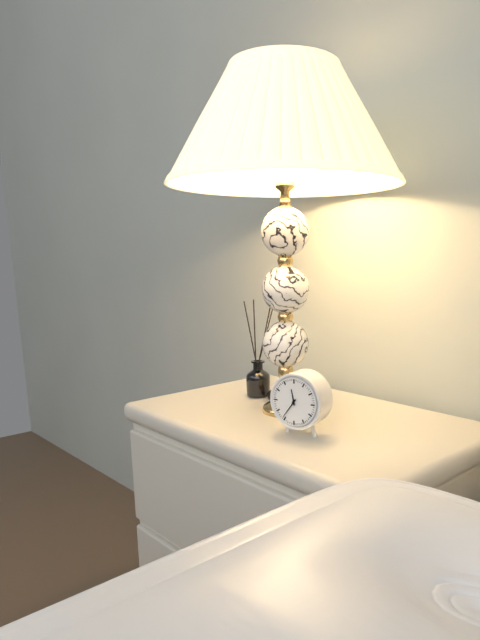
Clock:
11:36
